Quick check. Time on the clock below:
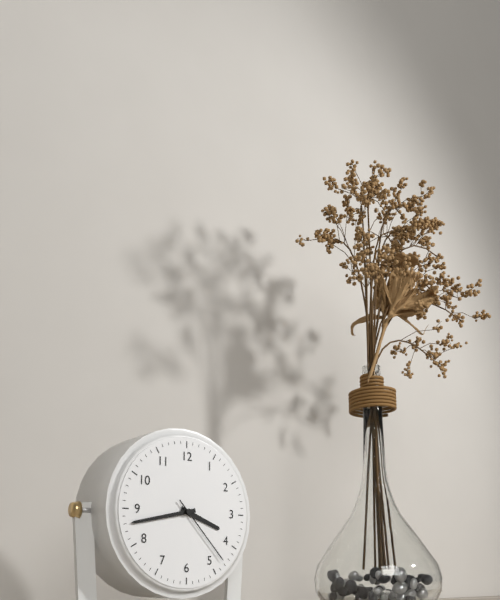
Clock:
3:43:23
